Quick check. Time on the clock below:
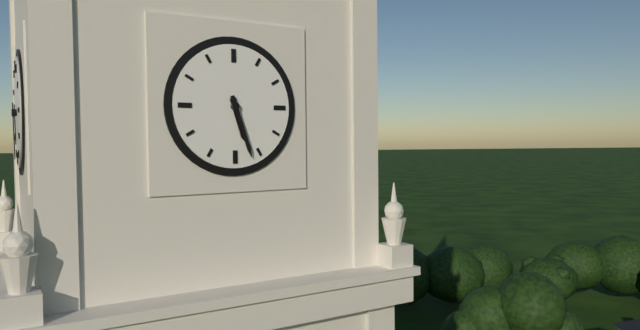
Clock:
5:27
